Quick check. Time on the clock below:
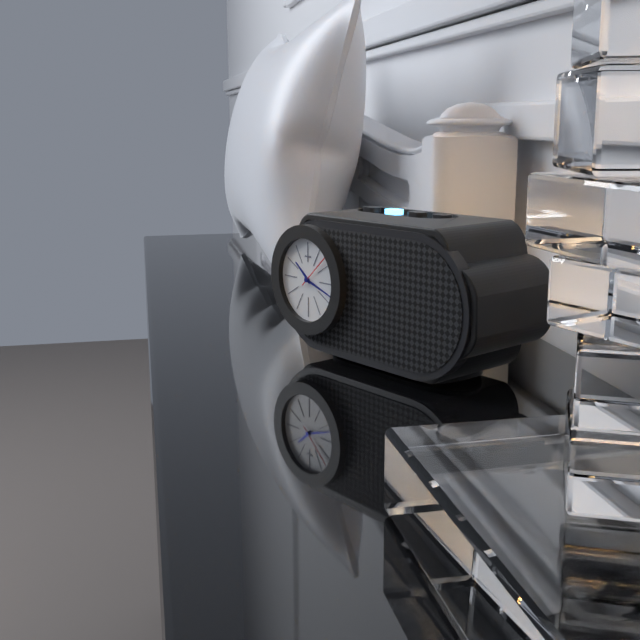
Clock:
10:18
